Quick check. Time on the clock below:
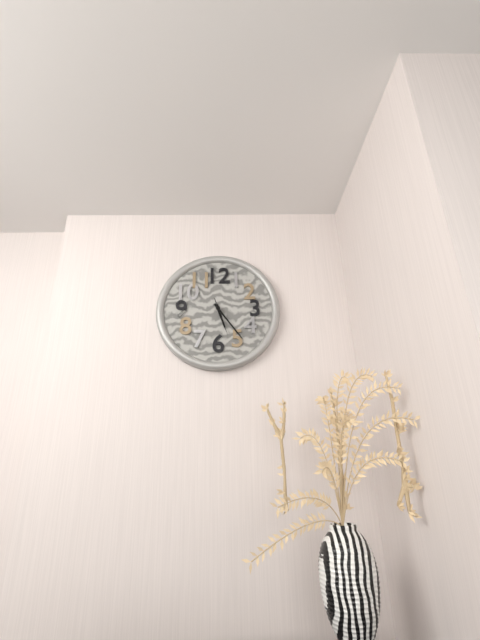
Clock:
5:24
